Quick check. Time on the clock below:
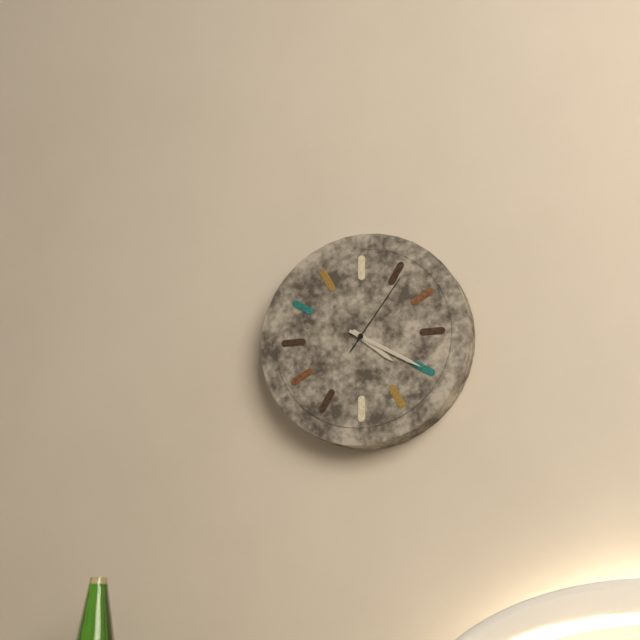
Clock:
4:20:06
